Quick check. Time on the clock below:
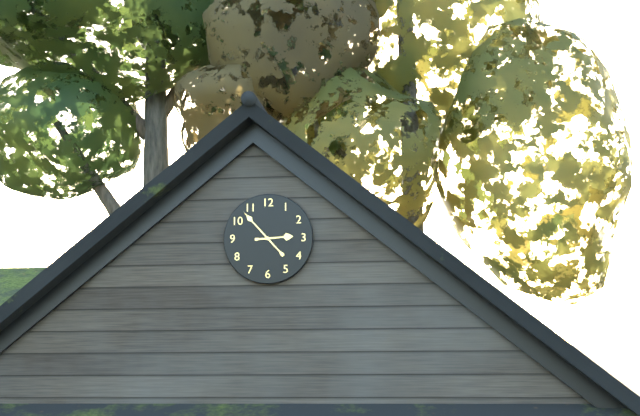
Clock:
2:53
